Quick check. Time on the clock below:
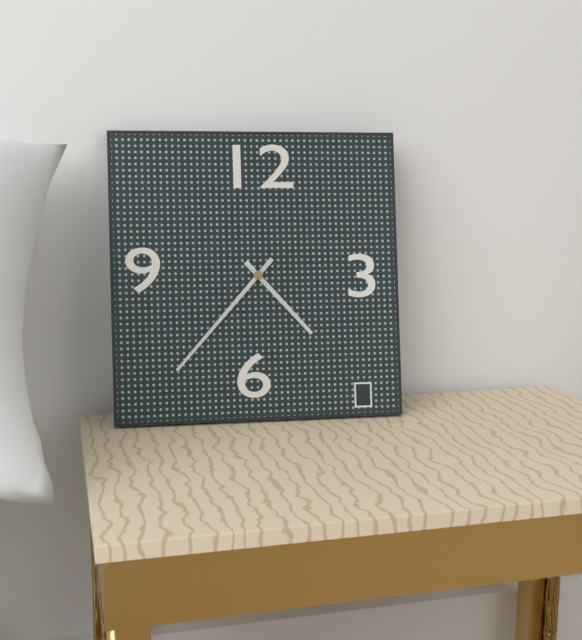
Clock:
4:37
